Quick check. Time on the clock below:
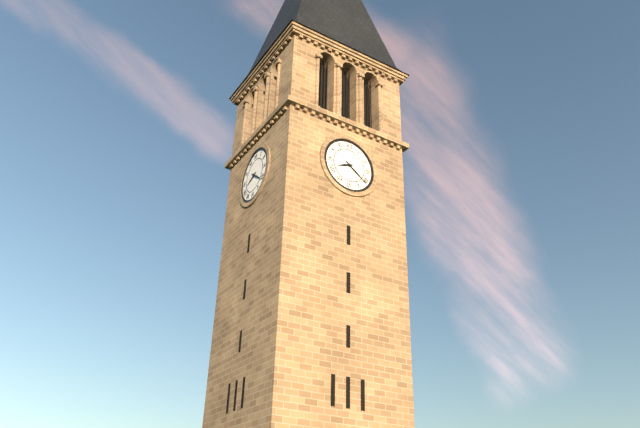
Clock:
8:21
